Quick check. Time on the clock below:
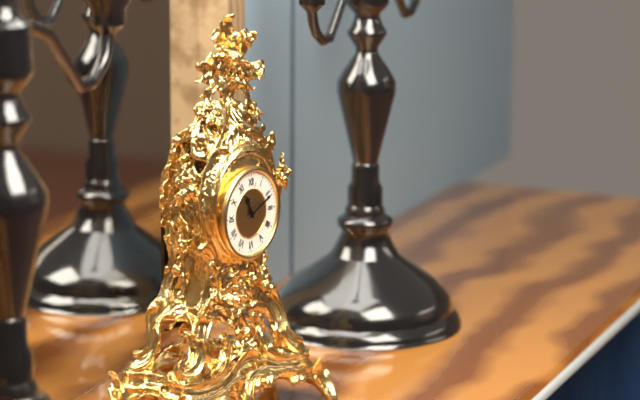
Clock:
11:11
